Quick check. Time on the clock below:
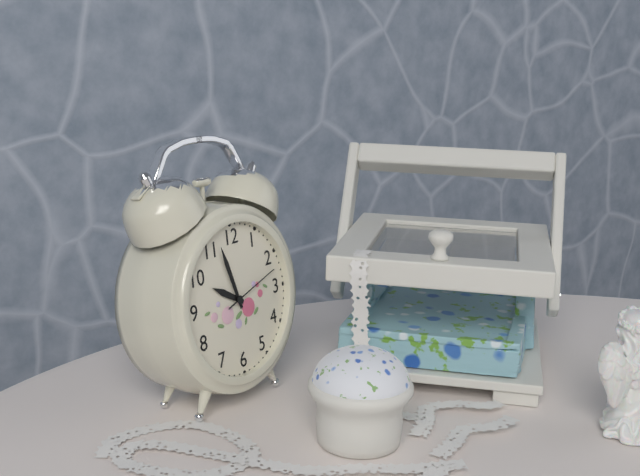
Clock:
9:57:12
